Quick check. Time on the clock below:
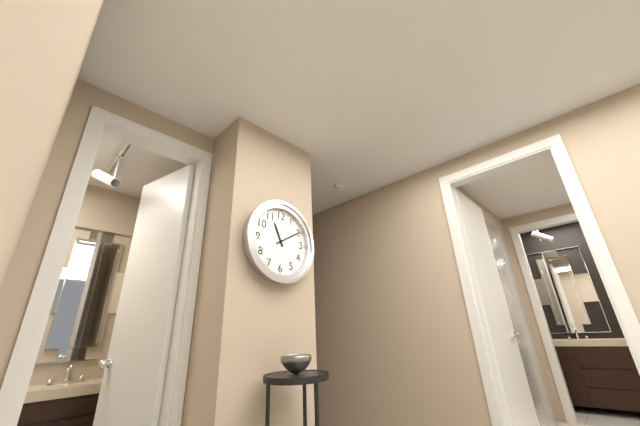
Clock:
11:10
